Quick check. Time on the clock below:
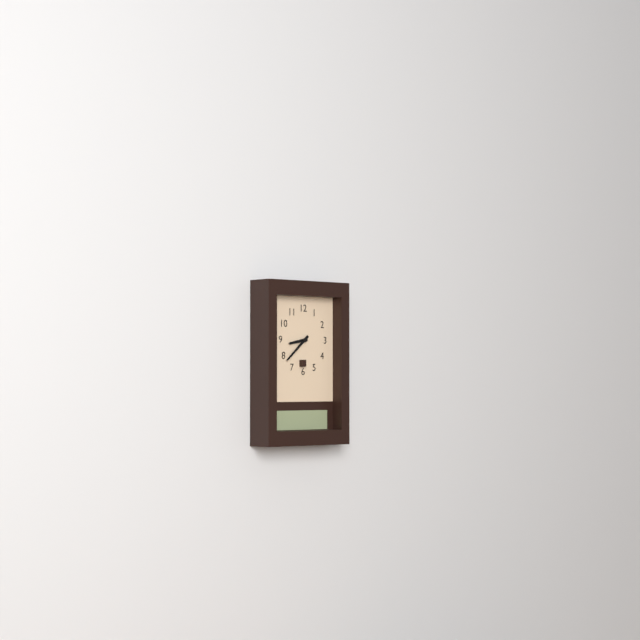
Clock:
8:38
